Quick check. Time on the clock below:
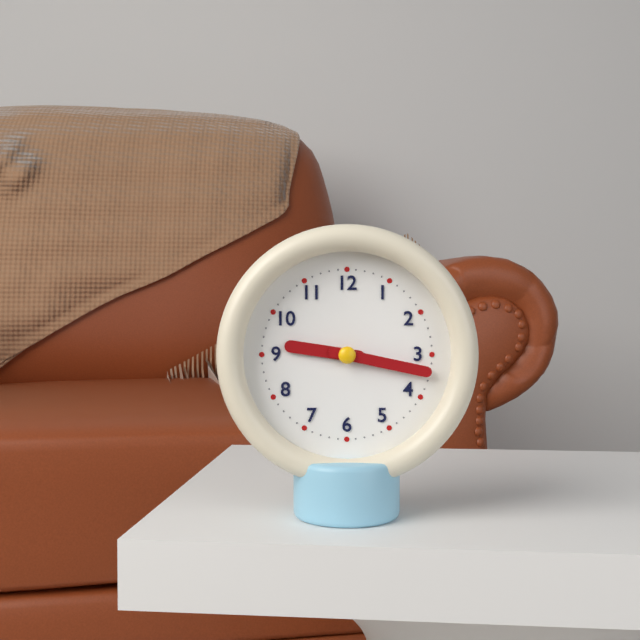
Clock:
9:17
